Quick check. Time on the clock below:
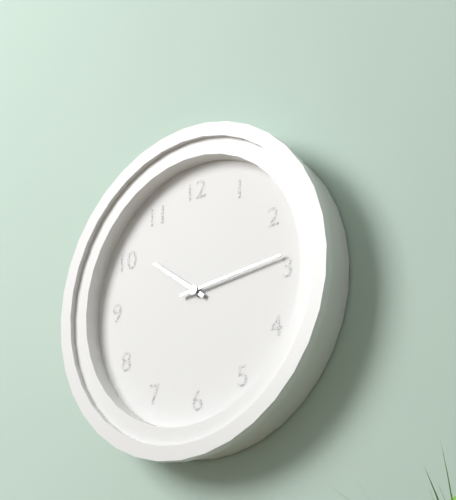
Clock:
10:14
